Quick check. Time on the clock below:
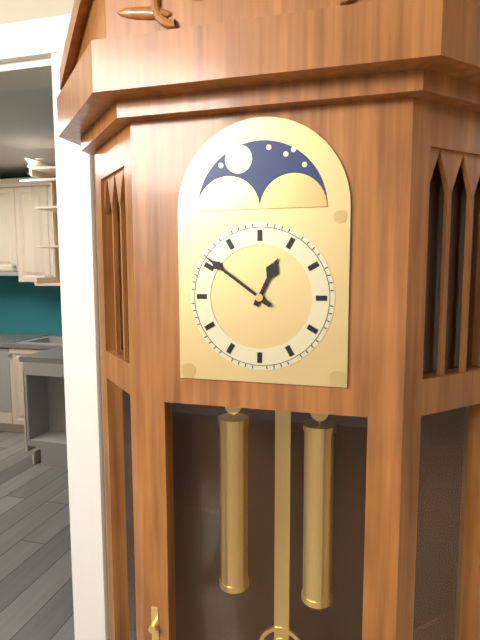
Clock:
12:51
